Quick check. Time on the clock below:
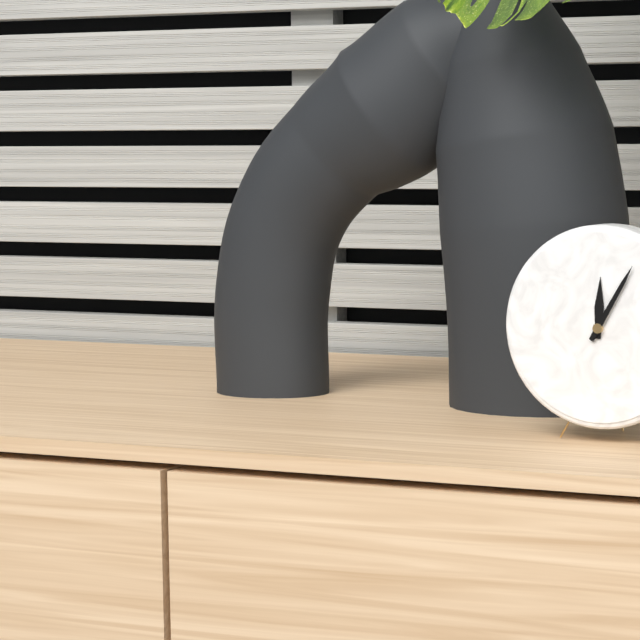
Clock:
12:05
